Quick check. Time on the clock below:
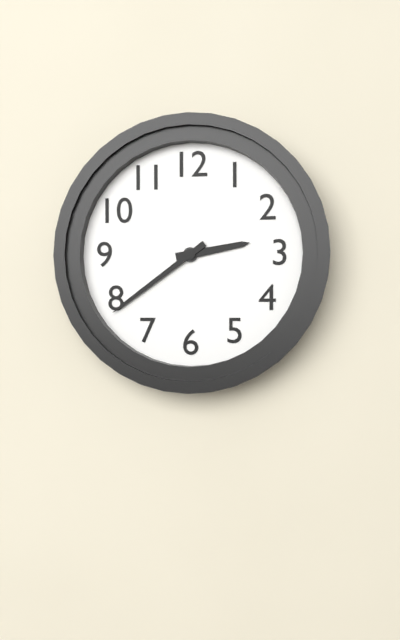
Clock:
2:39
